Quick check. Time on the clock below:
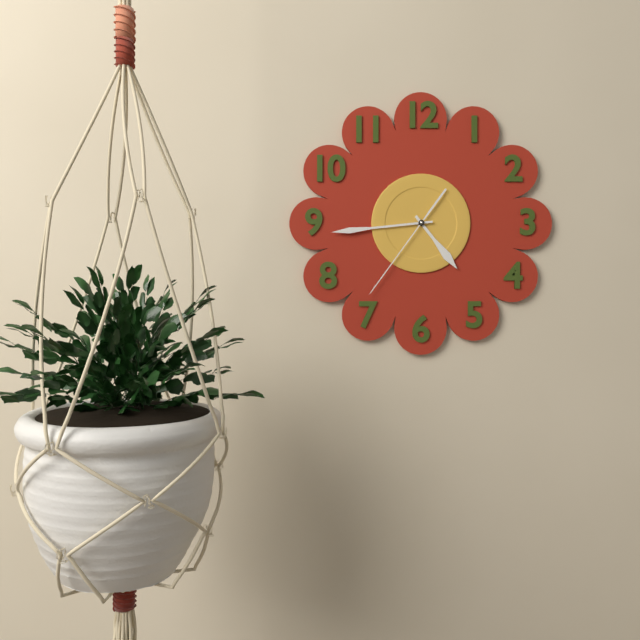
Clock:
4:44:36
